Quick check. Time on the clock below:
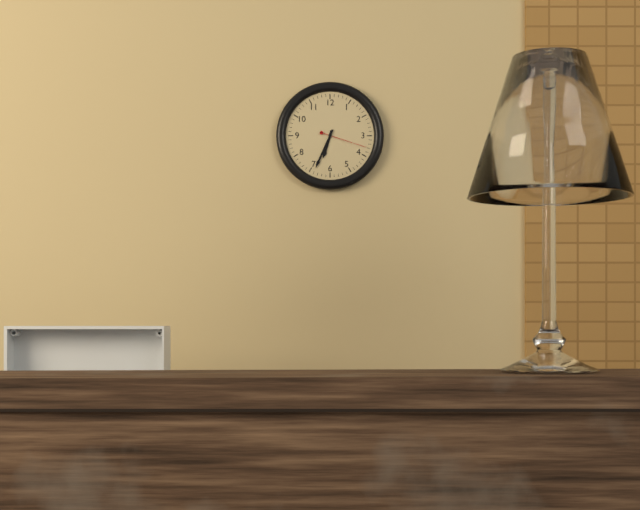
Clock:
6:34
